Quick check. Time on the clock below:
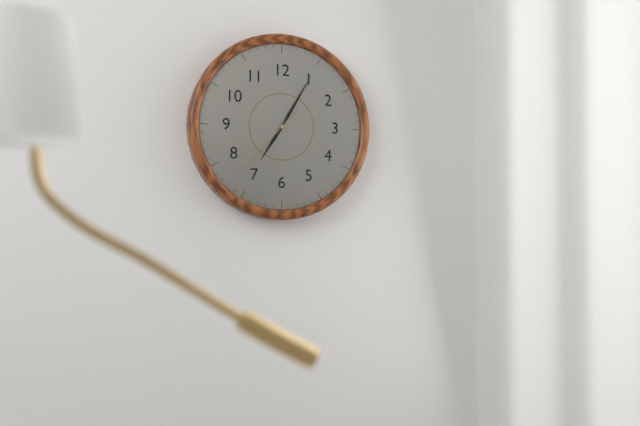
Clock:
7:05:37
